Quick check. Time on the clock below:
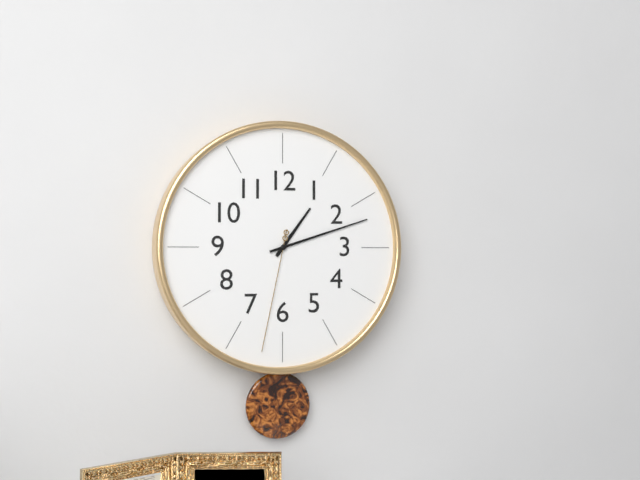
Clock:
1:12:32
